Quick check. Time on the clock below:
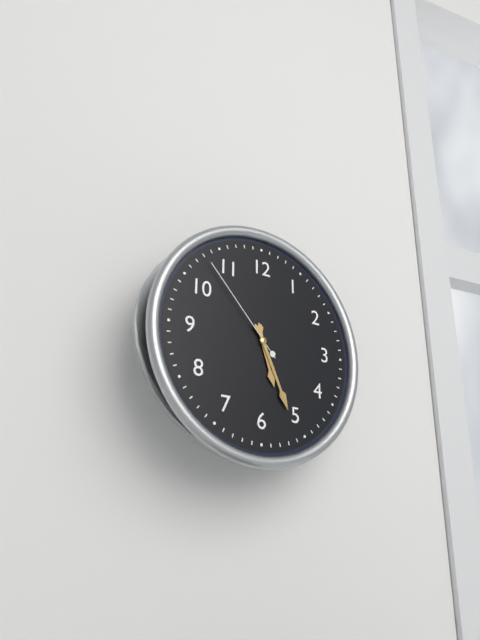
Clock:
5:26:53
